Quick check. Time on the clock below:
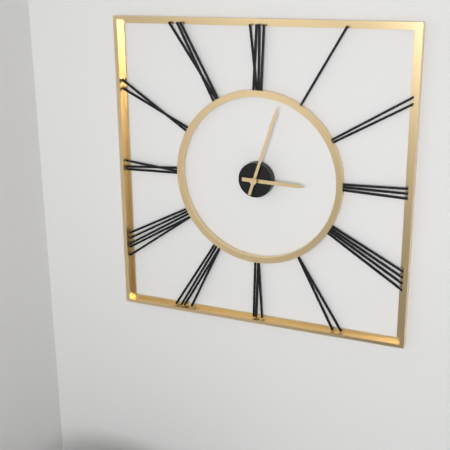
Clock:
3:03
